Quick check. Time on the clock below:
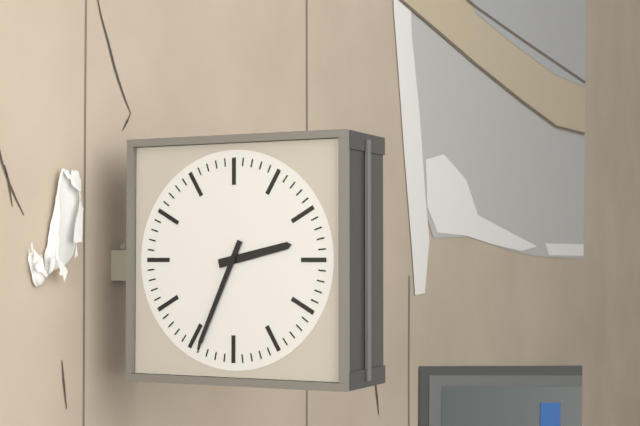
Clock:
2:34
